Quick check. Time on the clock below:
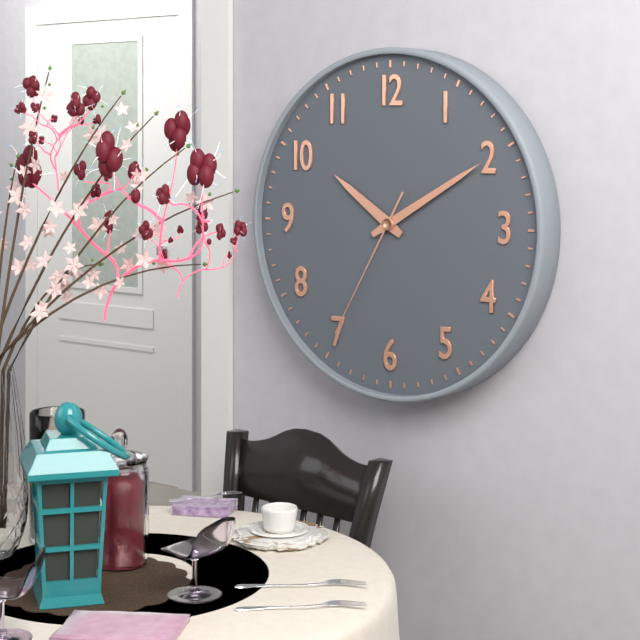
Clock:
10:10:35
